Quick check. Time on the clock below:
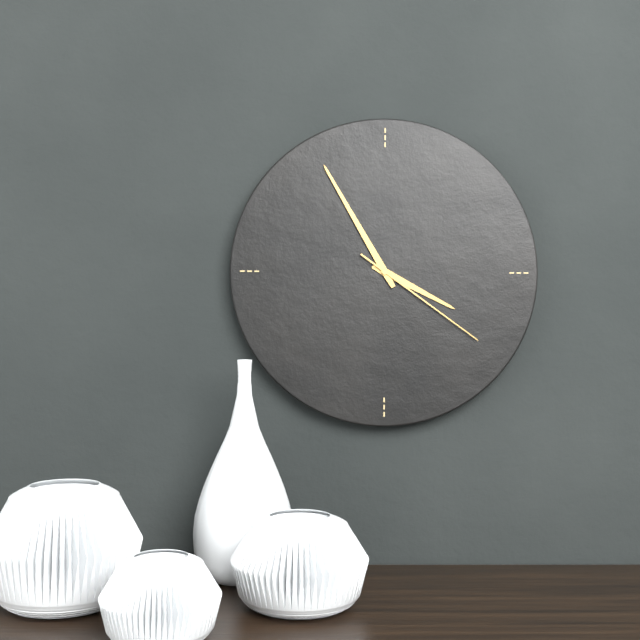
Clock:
3:55:21
